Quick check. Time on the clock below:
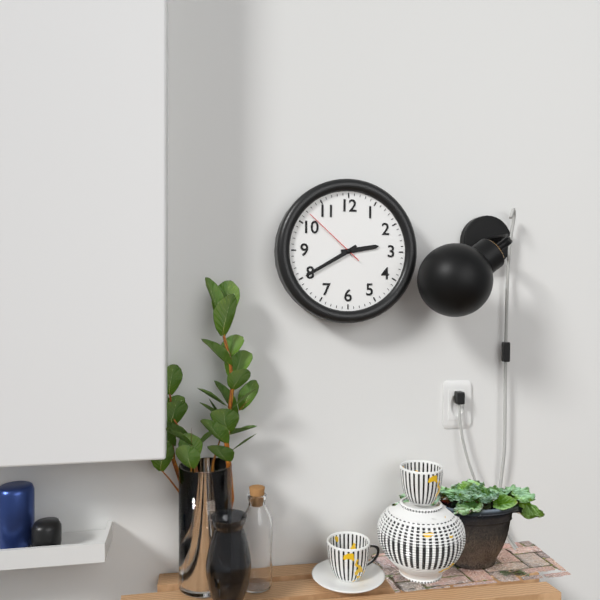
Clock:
2:40:52
